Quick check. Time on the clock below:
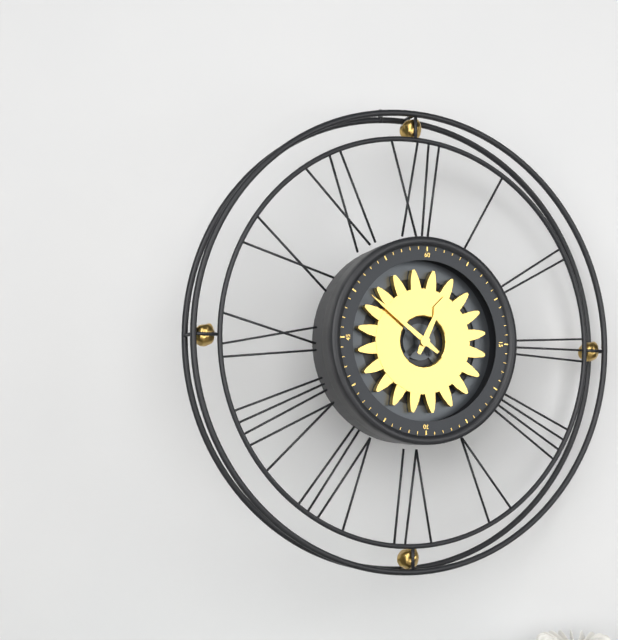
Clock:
12:51
